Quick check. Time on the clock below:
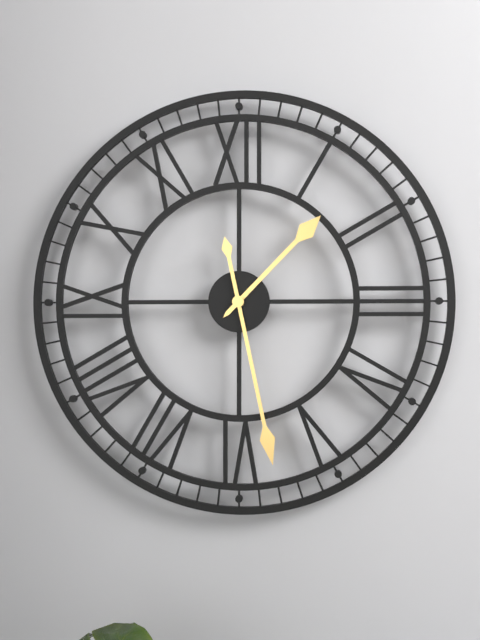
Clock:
1:28
